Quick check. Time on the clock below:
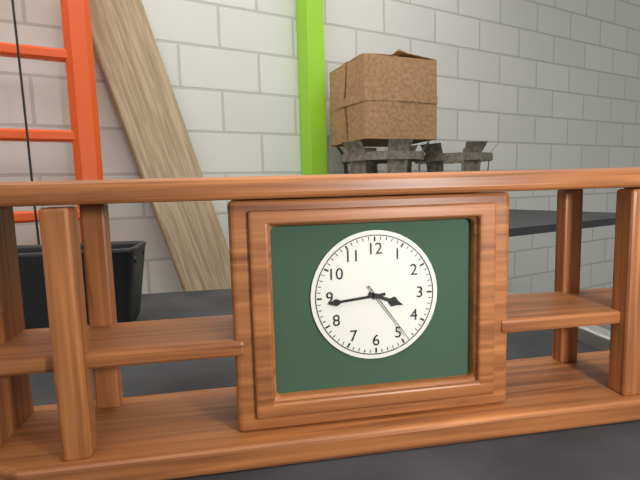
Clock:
3:44:24
